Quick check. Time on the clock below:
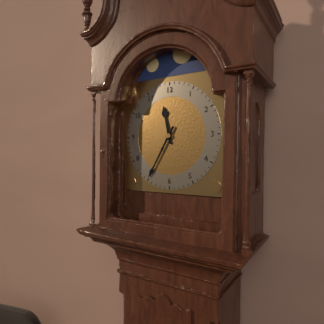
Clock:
11:35
